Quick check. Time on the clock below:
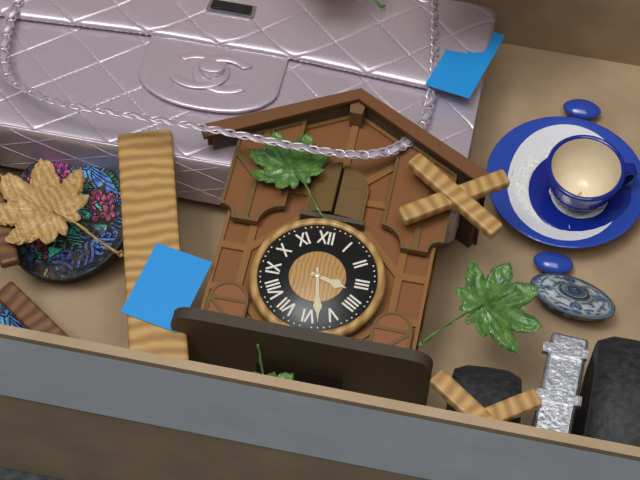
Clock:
3:28
